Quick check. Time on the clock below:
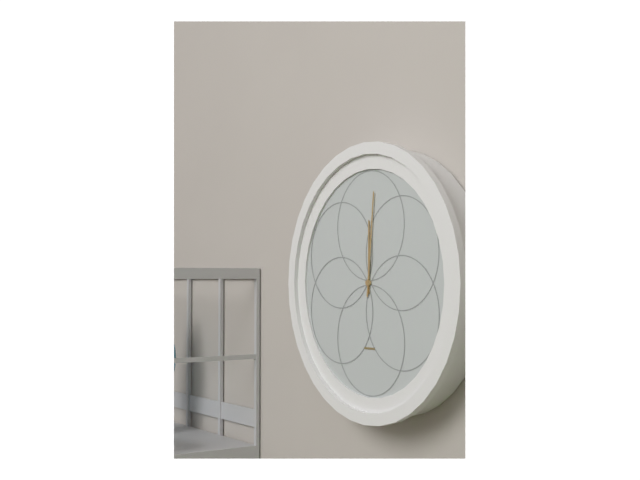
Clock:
12:01
